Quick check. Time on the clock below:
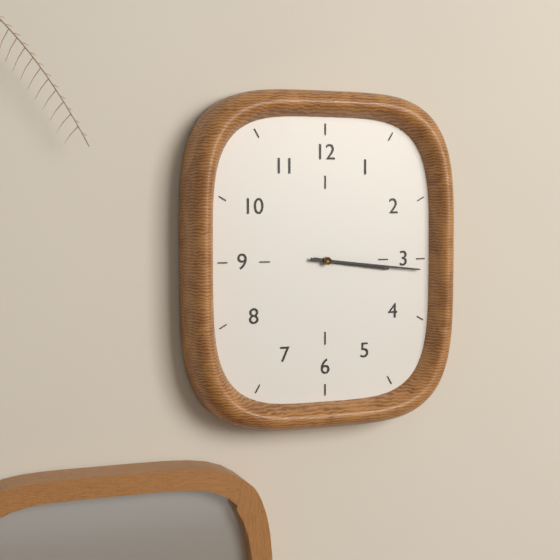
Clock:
3:16
